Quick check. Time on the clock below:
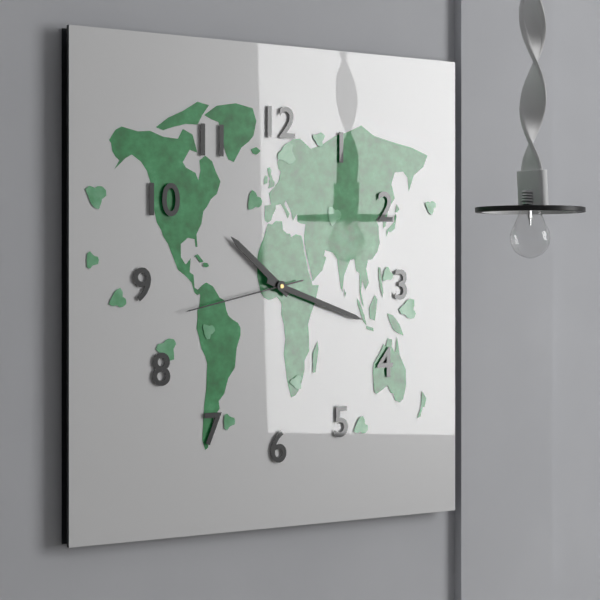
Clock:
10:18:43
